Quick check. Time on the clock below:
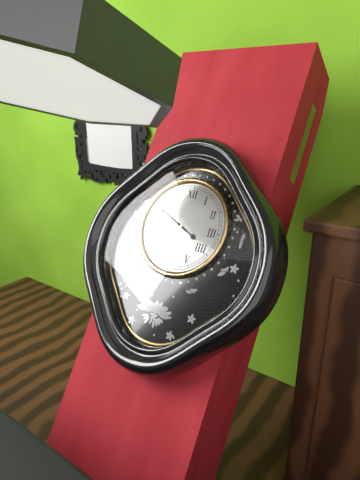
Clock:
3:49
